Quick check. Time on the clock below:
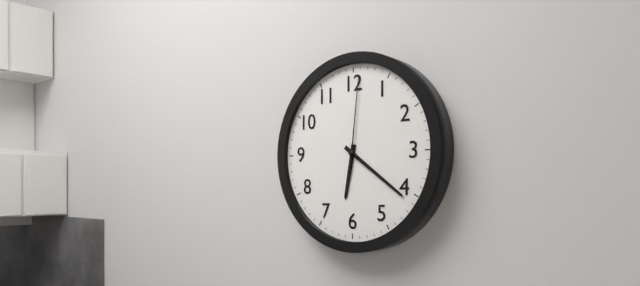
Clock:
6:21:01
